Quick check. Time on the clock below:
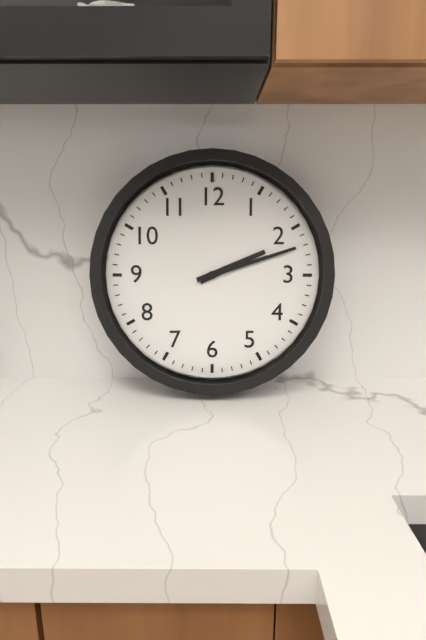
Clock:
2:12
